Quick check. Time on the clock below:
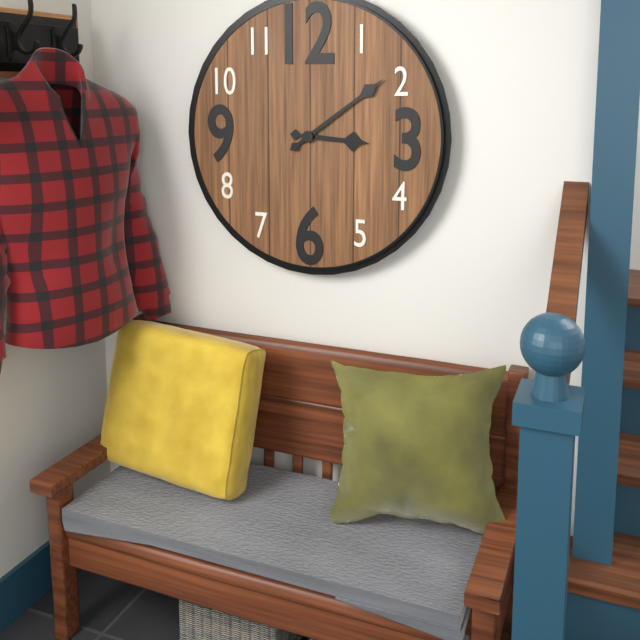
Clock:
3:09
